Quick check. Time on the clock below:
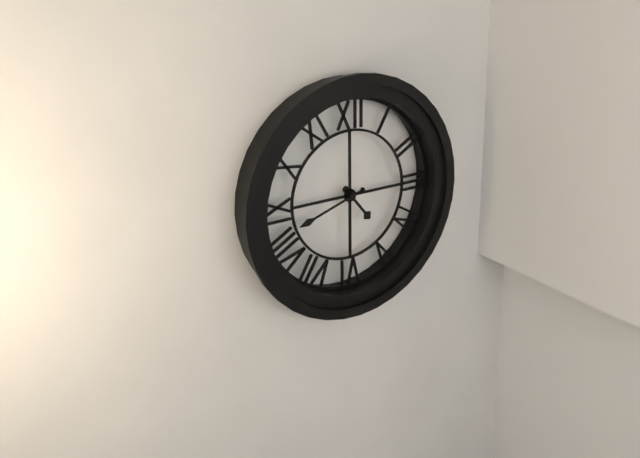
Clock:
4:42
